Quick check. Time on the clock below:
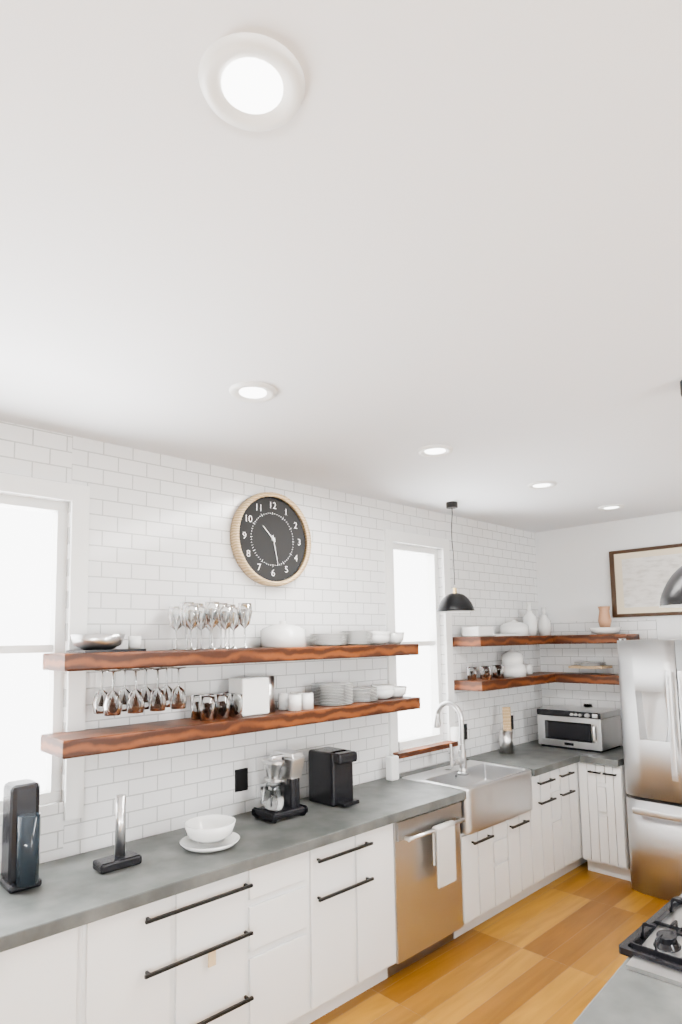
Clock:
10:28
